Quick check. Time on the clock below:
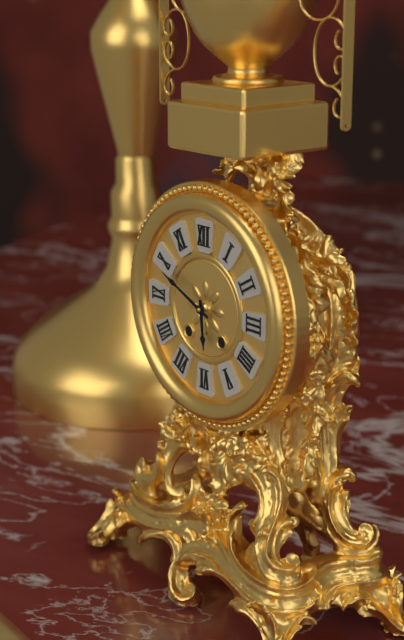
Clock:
5:49
